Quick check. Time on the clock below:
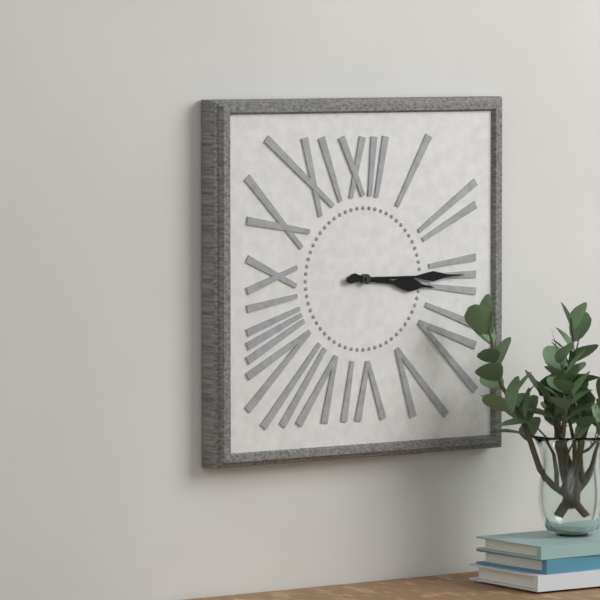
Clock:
3:15
